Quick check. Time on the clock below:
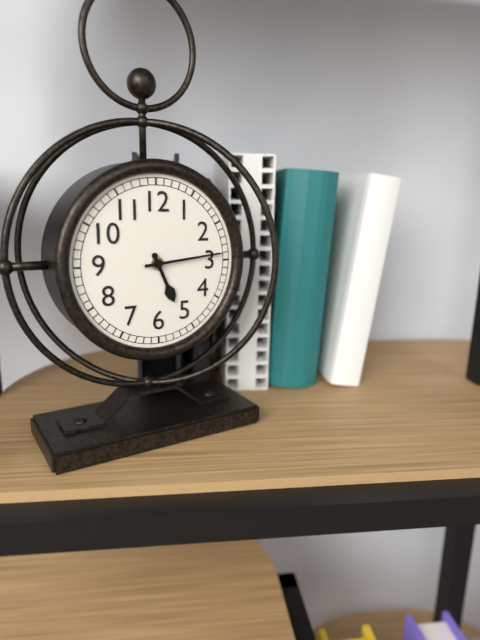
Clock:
5:14
